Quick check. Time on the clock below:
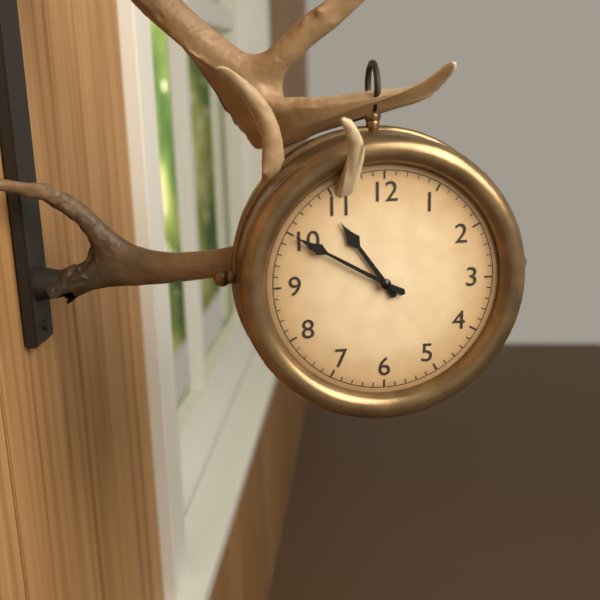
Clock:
10:50
